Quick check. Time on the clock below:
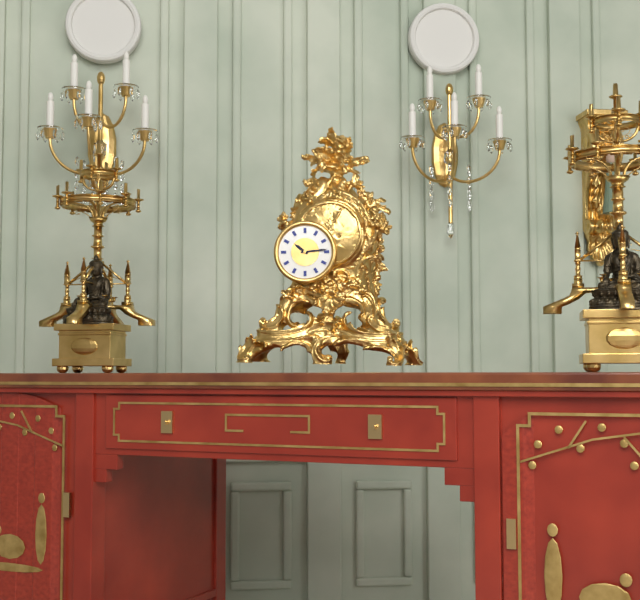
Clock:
10:14
